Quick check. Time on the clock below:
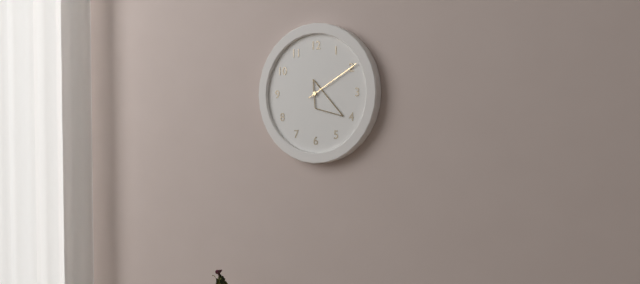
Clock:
4:10
